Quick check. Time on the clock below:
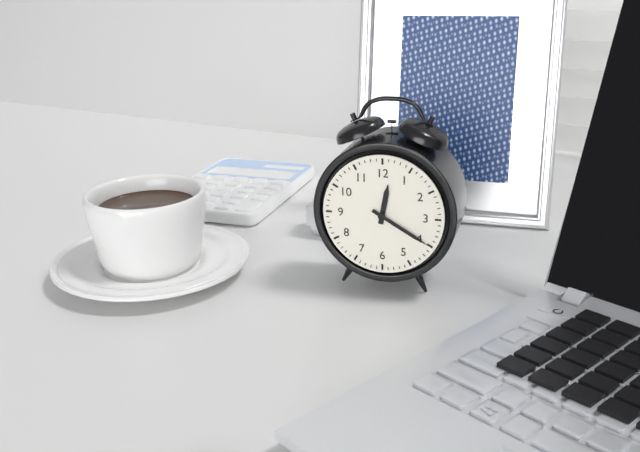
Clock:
12:20
